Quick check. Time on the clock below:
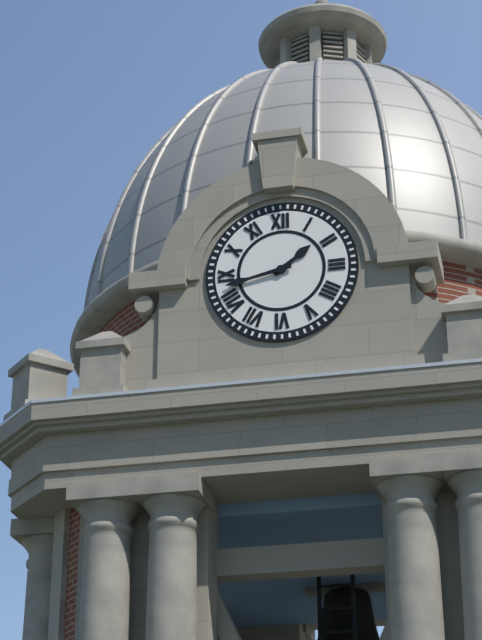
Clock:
1:43
